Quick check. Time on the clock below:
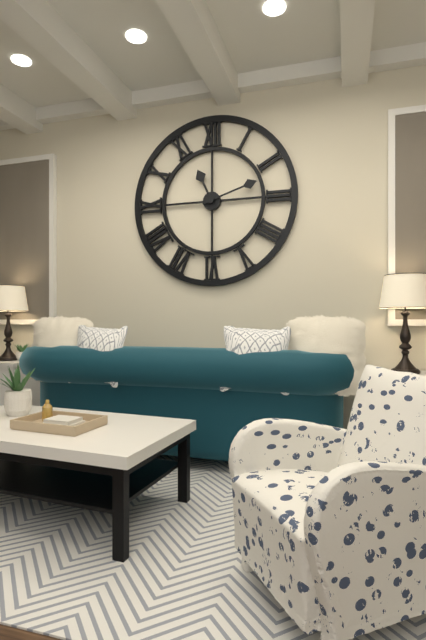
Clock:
11:12
